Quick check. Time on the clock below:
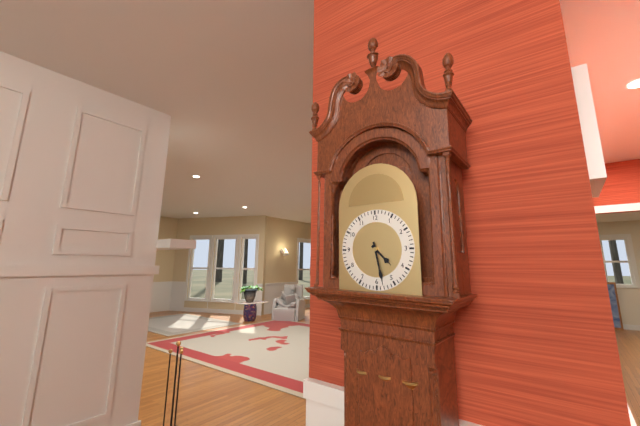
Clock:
4:28
